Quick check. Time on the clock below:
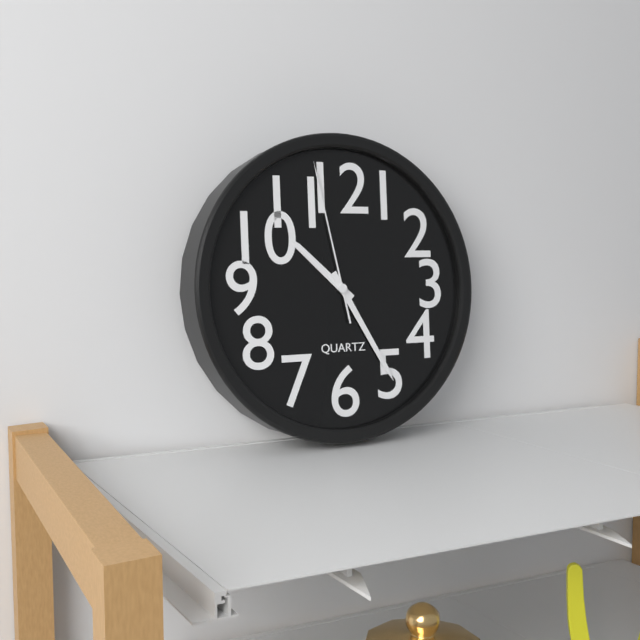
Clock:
10:25:58
